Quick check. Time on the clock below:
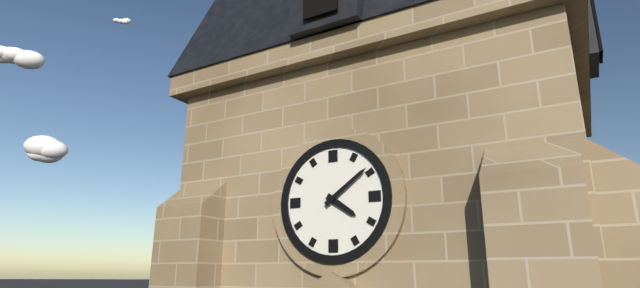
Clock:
4:09
